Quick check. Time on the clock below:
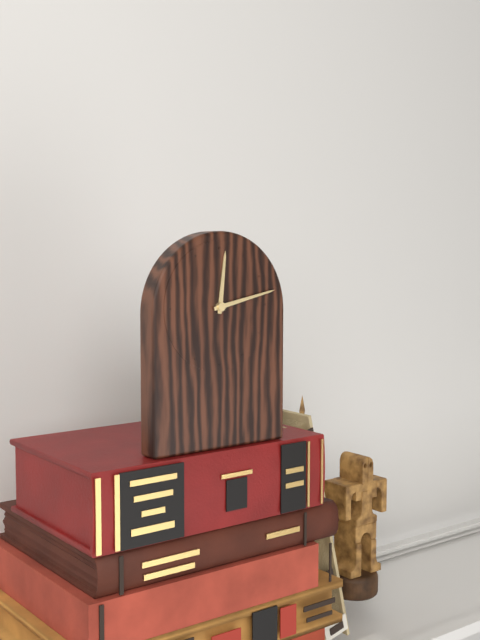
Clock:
12:13
